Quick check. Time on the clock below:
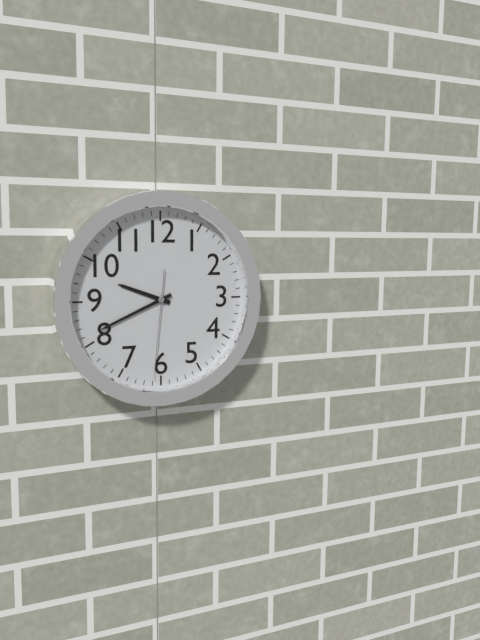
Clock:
9:41:31
